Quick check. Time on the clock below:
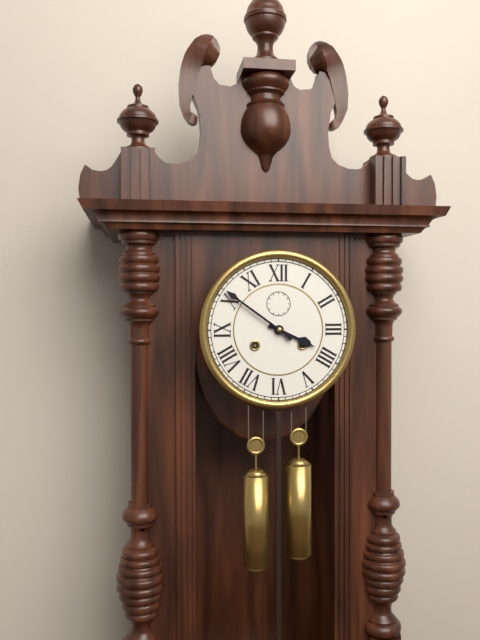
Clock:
3:51
